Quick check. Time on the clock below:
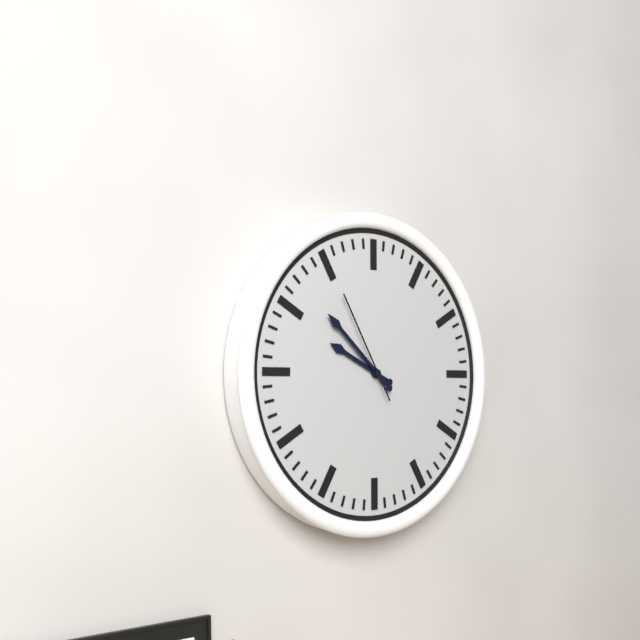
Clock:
9:52:55
